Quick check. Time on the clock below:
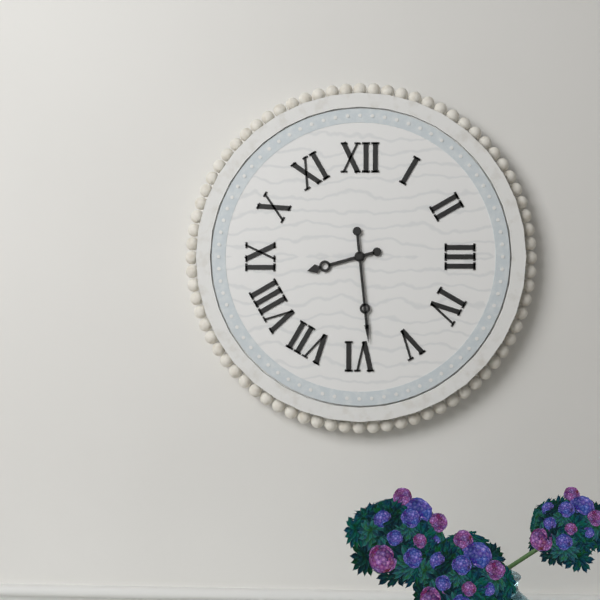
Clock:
8:29
